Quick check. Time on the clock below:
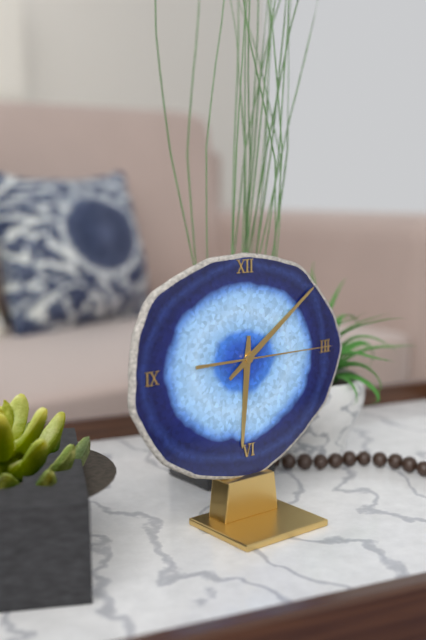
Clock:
6:09:15
